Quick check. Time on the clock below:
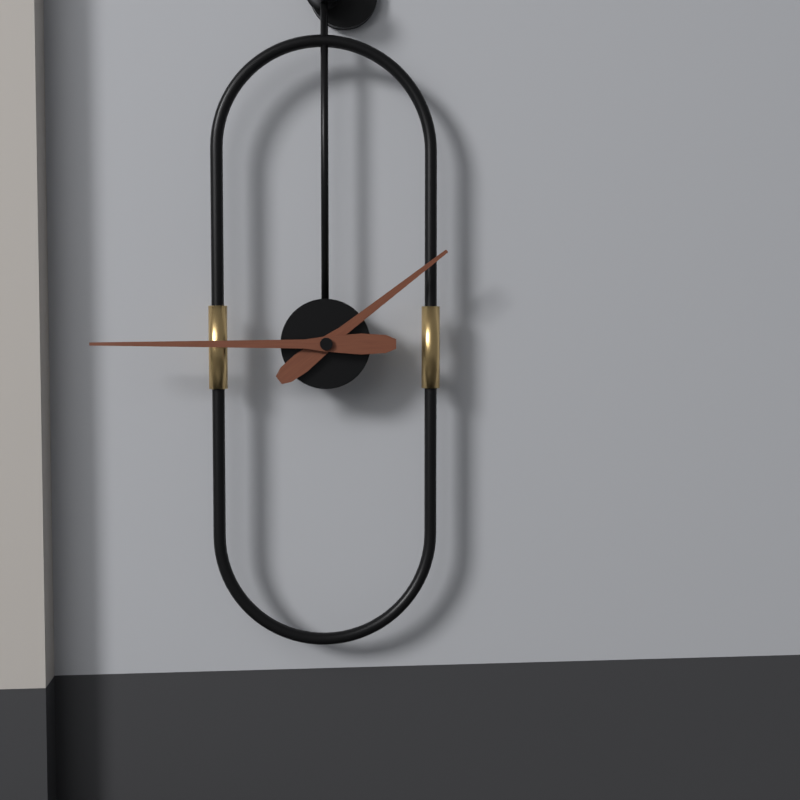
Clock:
1:45
